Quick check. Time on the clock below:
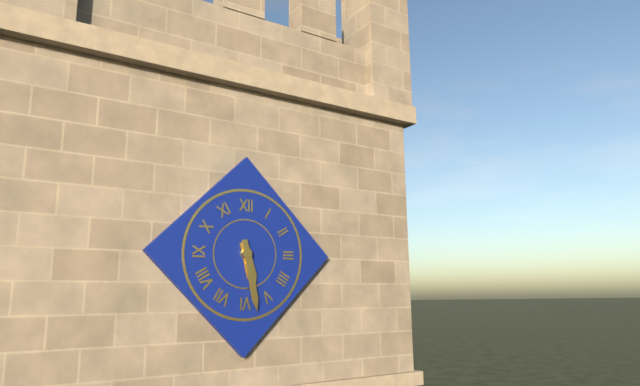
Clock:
5:28
